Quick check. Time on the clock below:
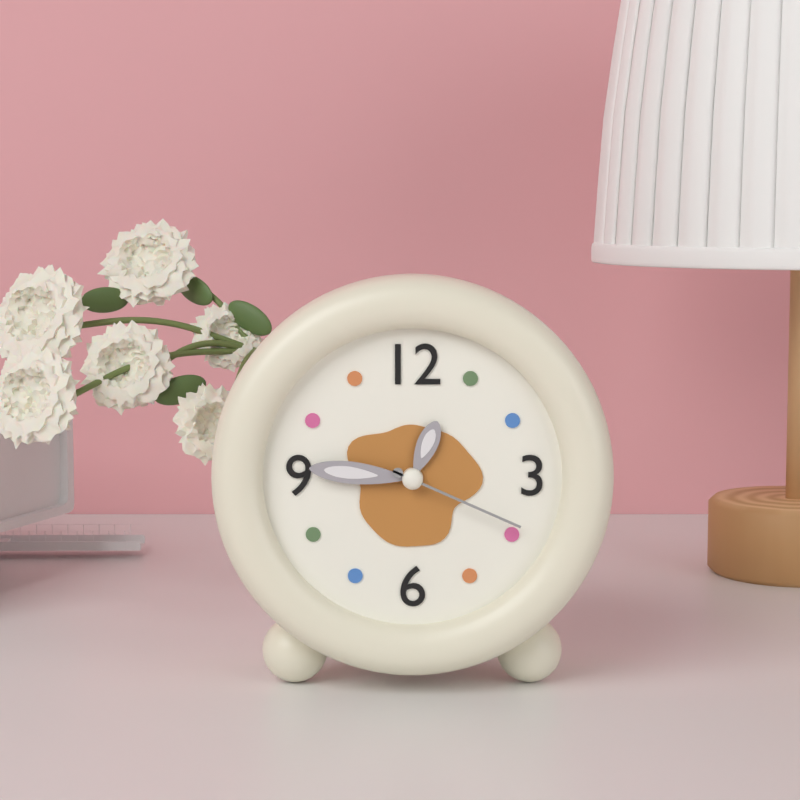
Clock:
12:46:19
